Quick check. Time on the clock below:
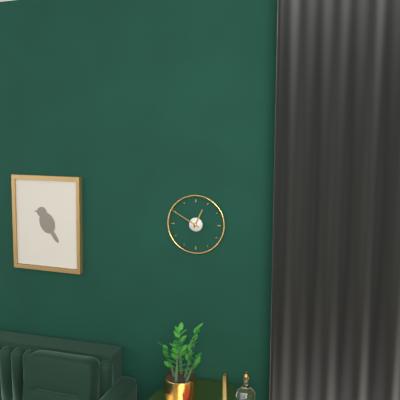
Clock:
12:50
